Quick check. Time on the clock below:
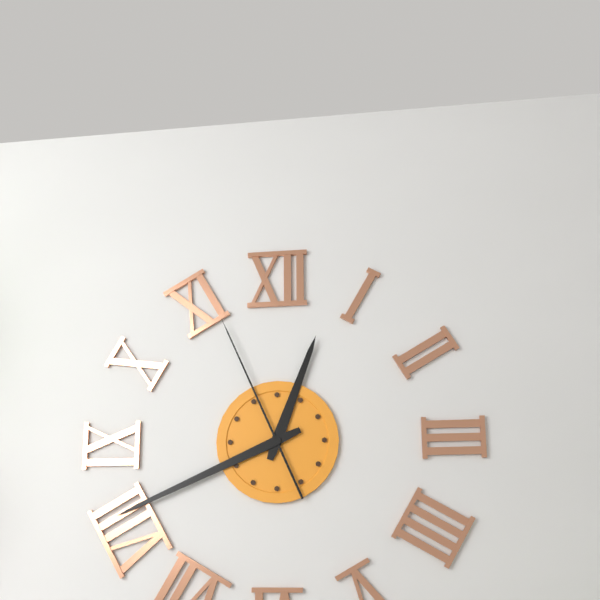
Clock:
12:41:56
